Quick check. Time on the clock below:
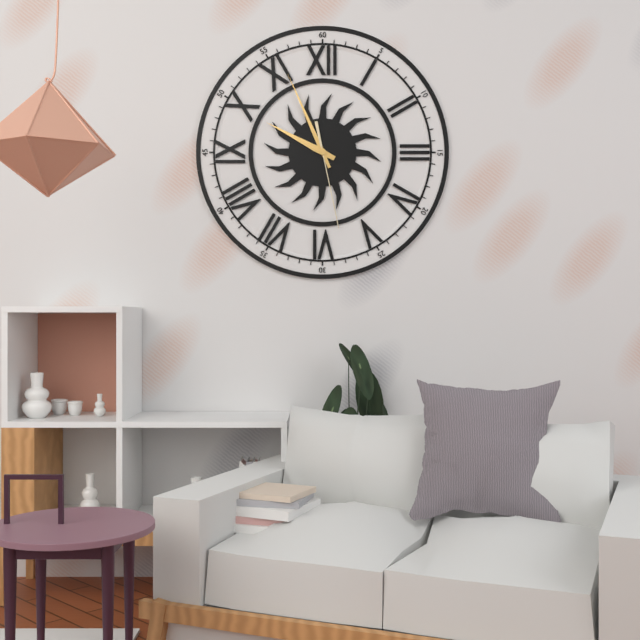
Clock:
9:56:28
